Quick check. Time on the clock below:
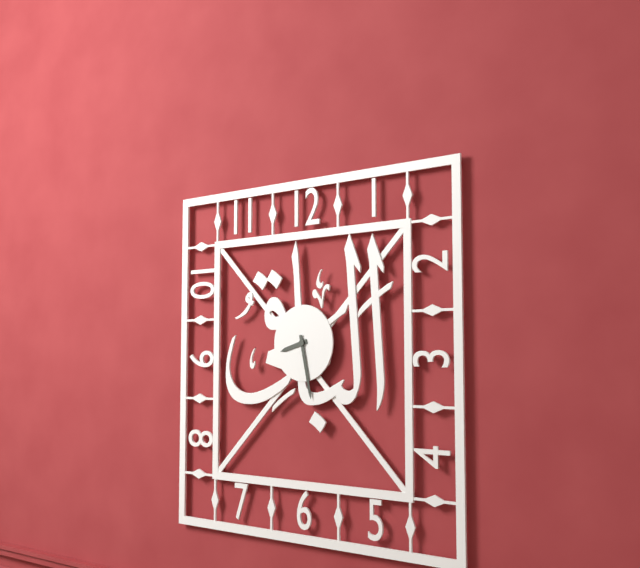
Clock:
8:28
